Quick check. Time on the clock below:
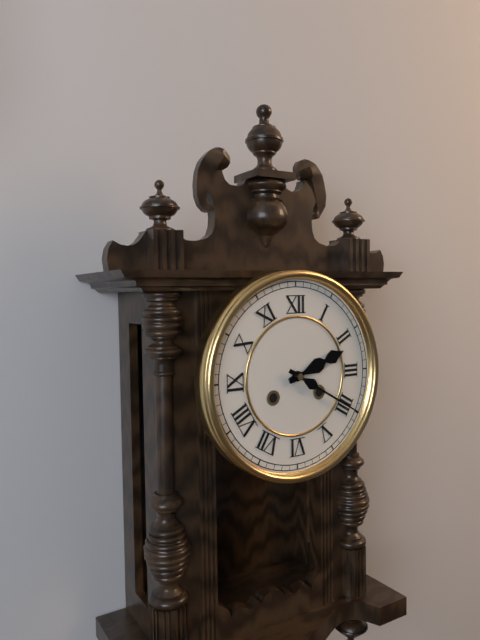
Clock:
2:20
